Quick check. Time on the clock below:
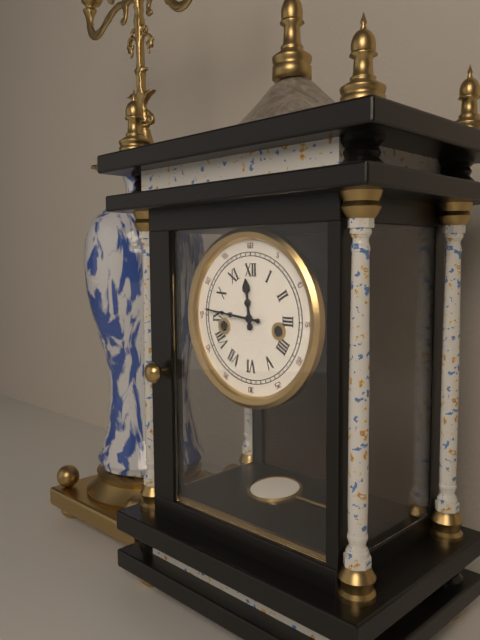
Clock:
11:46
